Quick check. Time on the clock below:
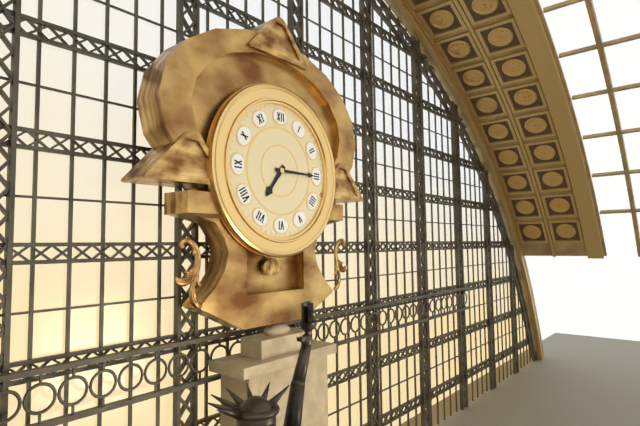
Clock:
7:15
